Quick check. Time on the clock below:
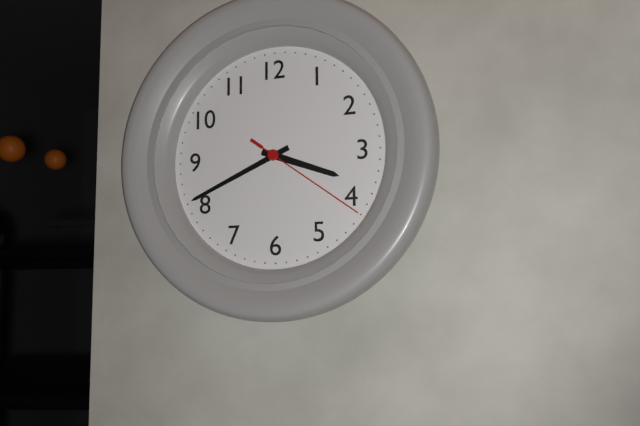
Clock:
3:41:21
